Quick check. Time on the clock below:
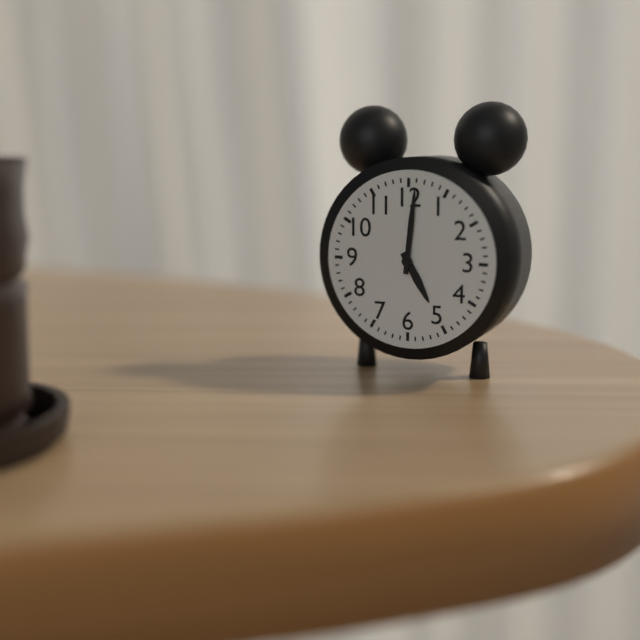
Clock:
5:01
